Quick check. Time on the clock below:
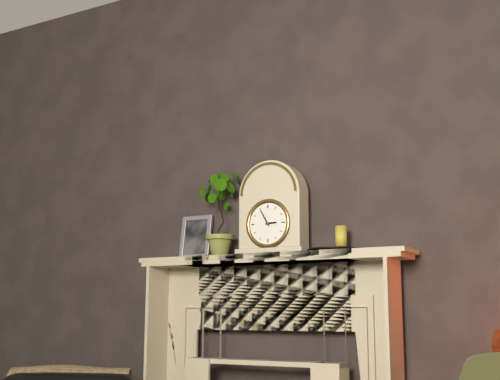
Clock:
2:55
